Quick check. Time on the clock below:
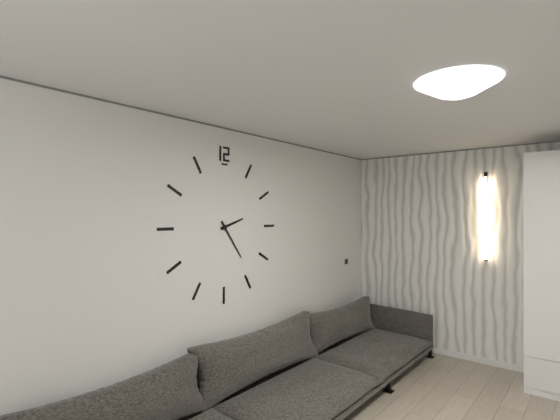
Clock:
2:24
